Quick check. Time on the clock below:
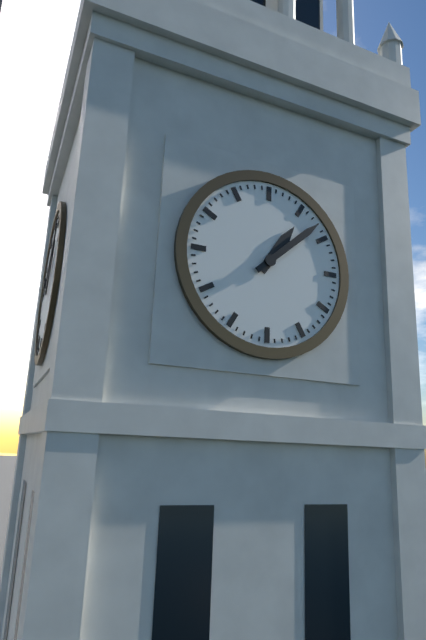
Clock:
1:08
